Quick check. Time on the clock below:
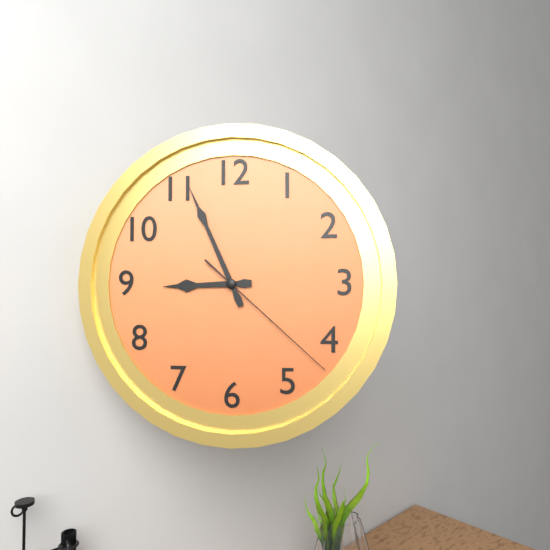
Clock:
8:56:22
